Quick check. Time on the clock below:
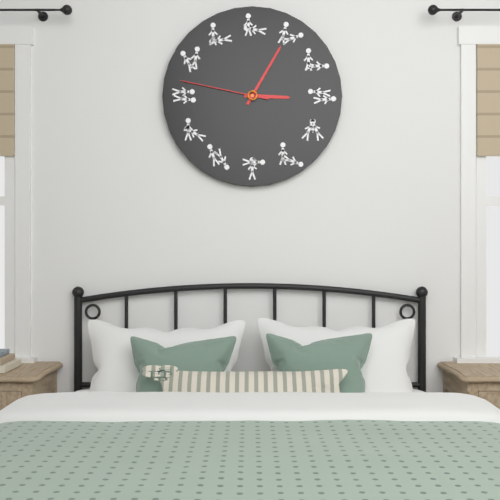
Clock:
3:05:47
